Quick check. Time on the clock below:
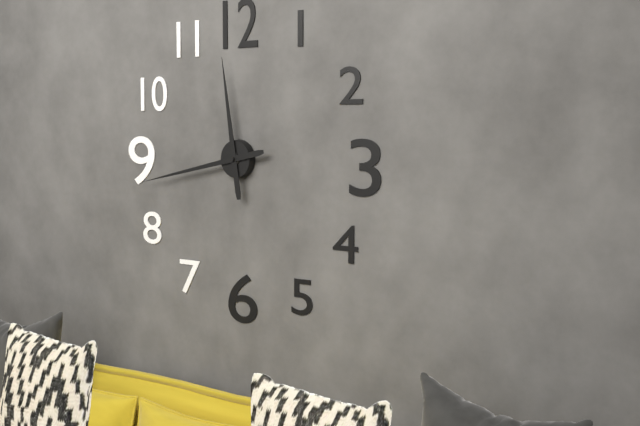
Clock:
11:43
